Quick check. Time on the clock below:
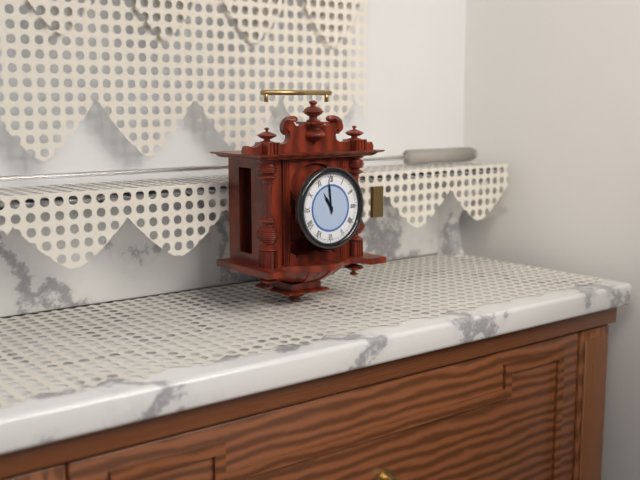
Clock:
10:59
